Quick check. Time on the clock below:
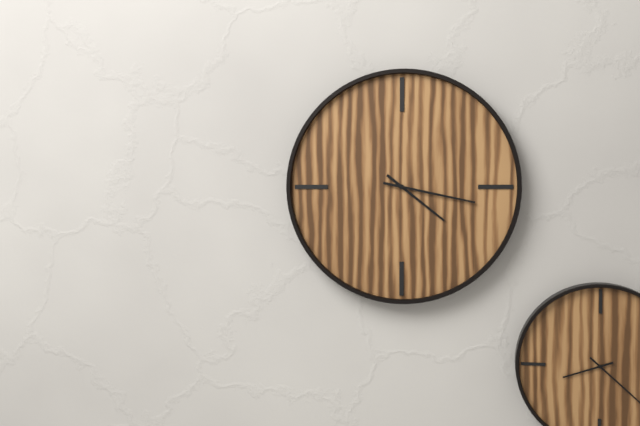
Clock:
4:17
